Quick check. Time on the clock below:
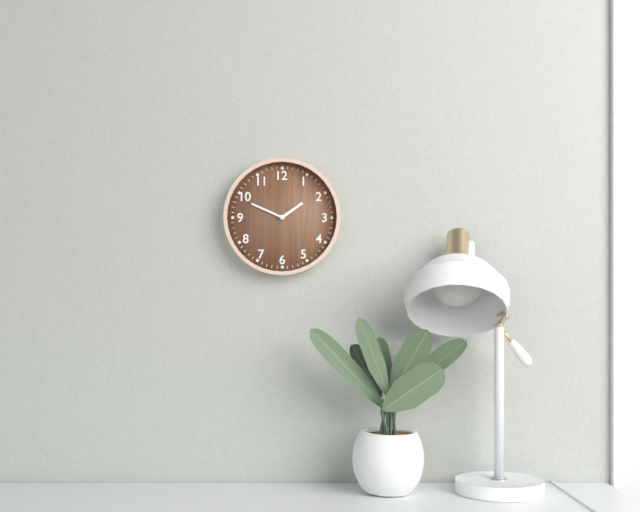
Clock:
1:49
